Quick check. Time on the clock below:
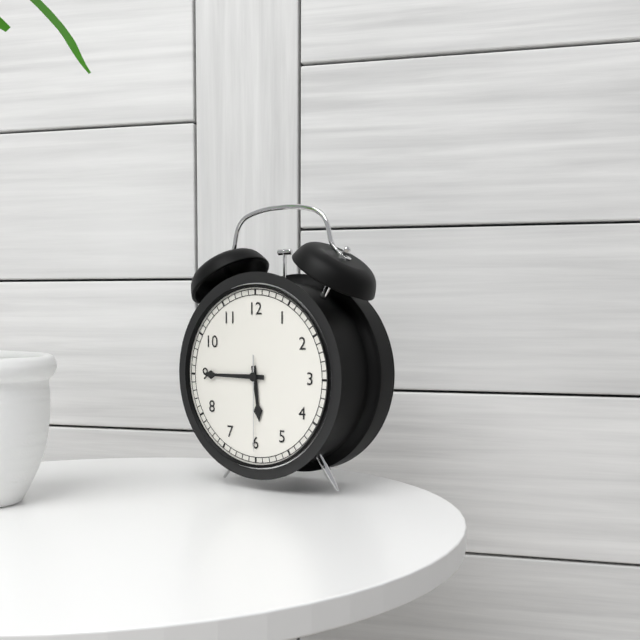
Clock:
5:45:30
